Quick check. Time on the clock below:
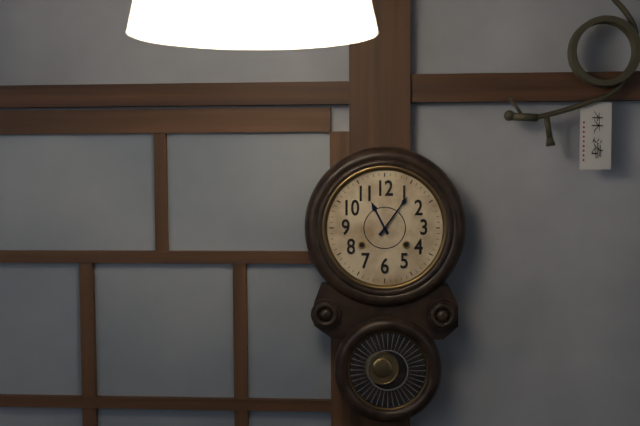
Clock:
11:06
